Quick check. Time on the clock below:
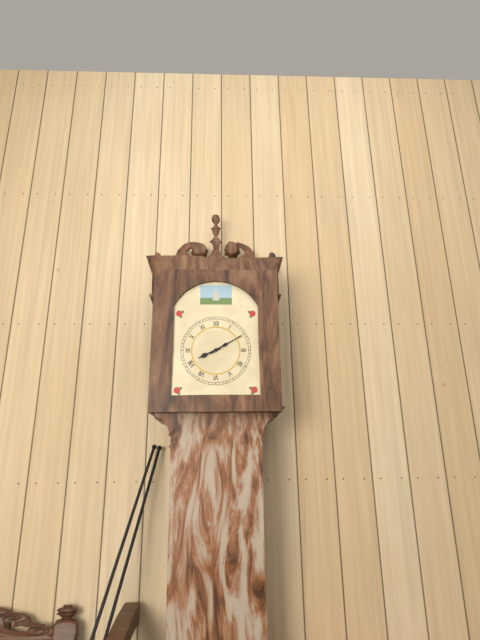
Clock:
8:10
